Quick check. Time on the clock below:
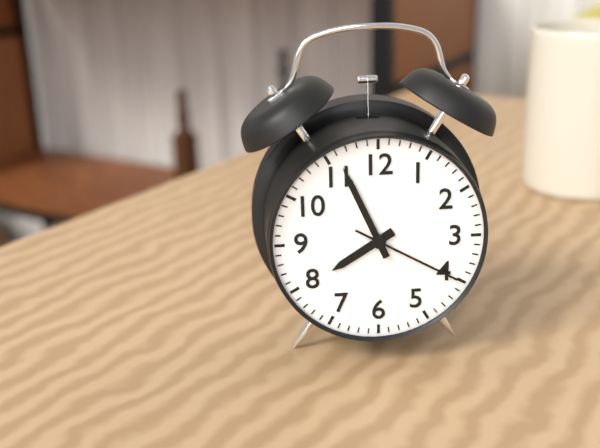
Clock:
7:56:20
